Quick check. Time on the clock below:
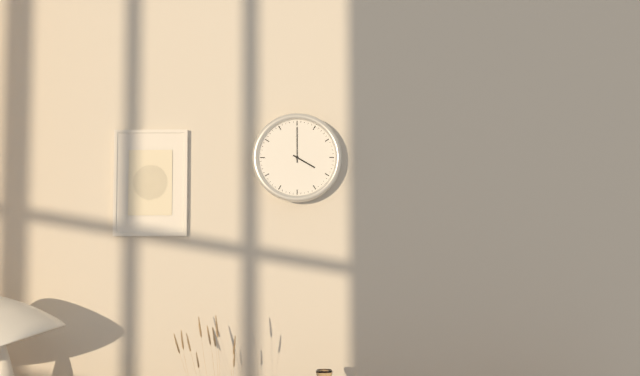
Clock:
4:00
